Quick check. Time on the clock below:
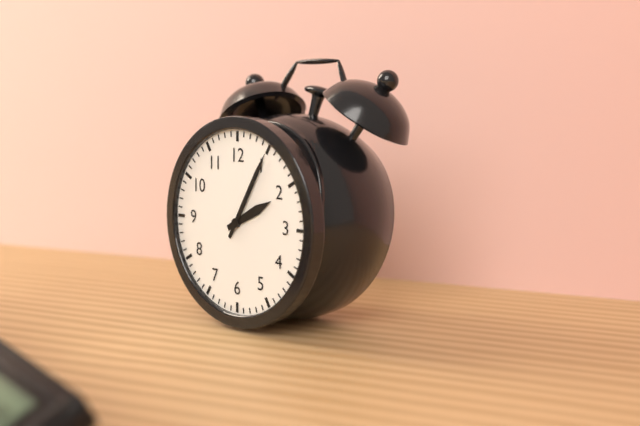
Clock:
2:05
